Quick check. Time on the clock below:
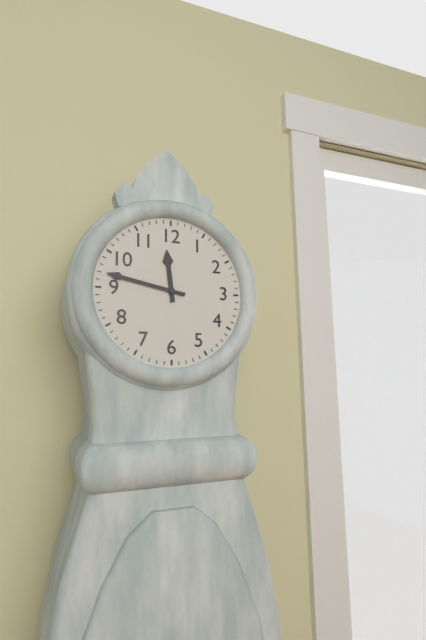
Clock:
11:47
